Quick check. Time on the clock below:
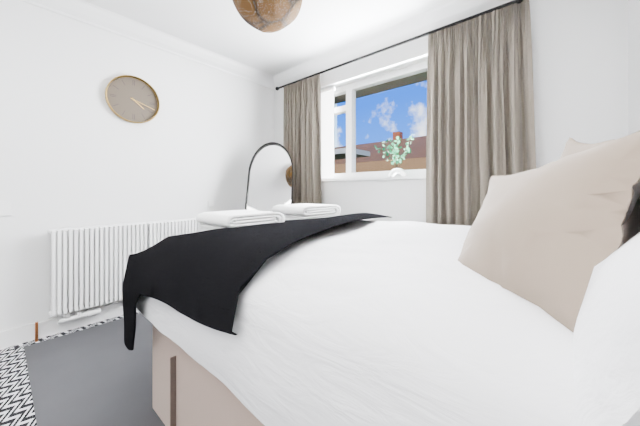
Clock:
4:18
